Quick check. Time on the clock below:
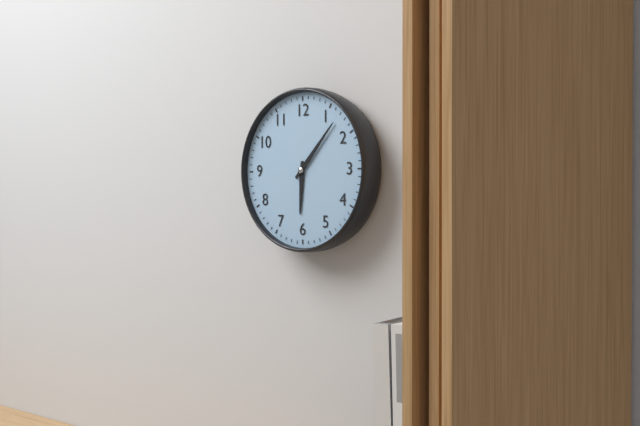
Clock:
6:07
